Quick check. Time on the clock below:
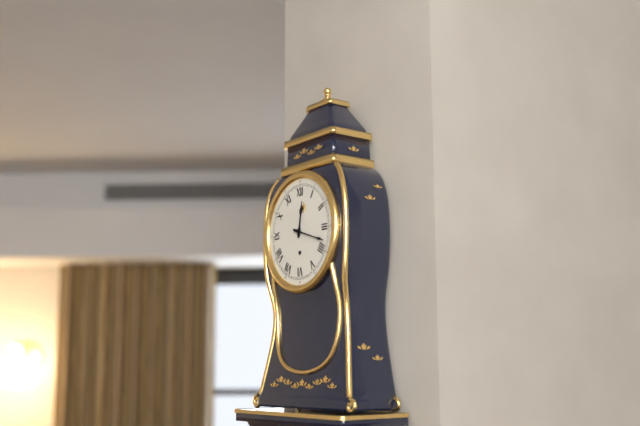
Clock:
12:18
